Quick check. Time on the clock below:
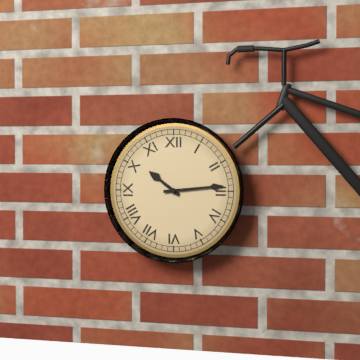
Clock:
10:14
